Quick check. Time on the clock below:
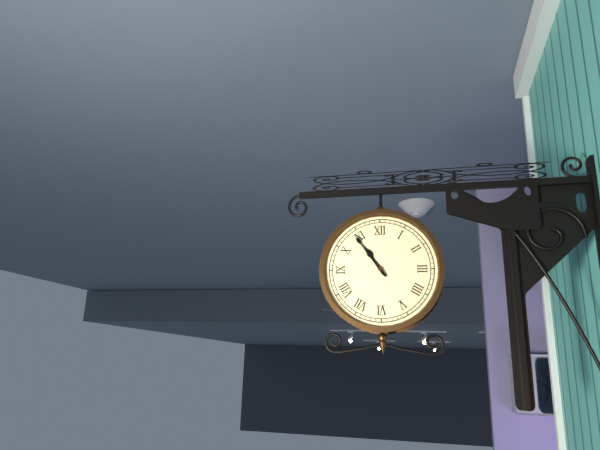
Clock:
10:54
